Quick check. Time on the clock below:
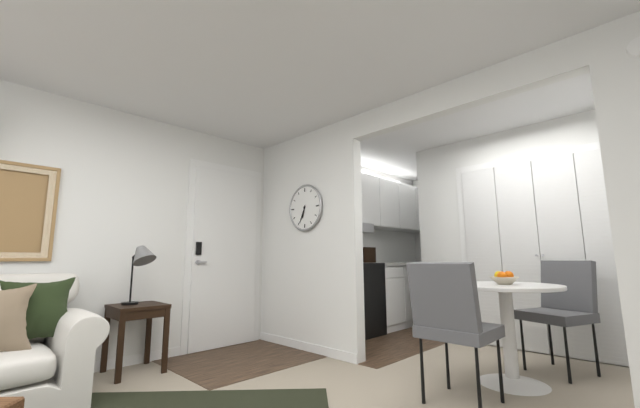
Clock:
6:34
